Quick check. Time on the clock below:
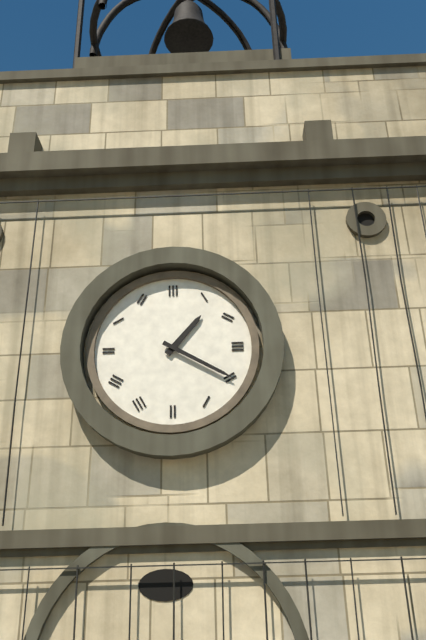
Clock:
1:20
